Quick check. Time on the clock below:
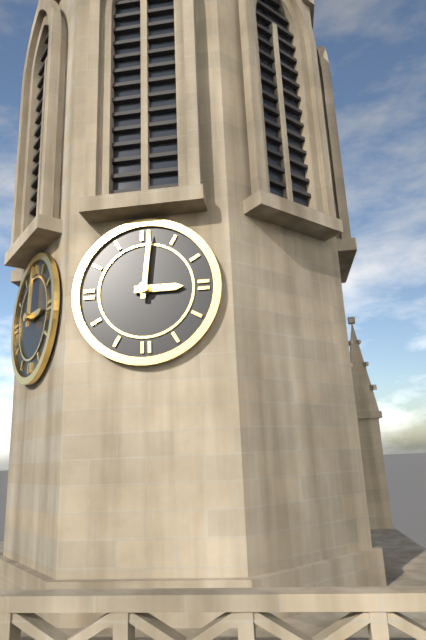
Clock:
3:01
